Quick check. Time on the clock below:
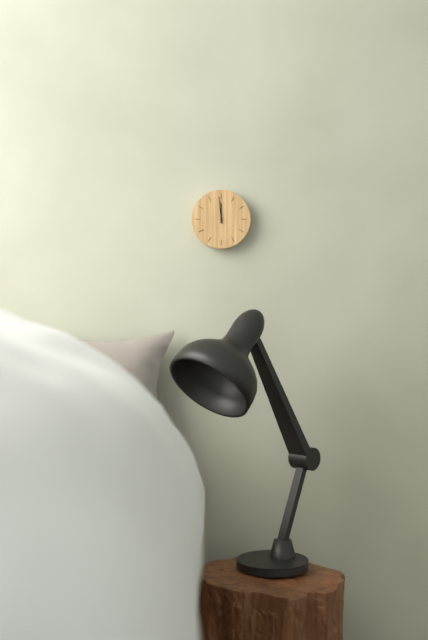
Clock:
11:59
